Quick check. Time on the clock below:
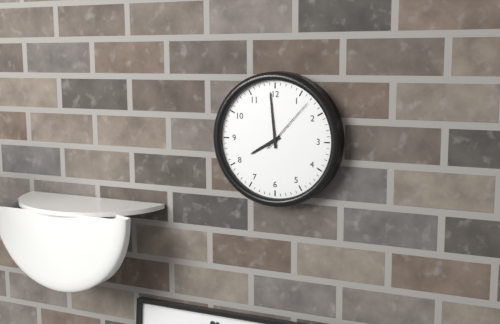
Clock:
7:59:07
